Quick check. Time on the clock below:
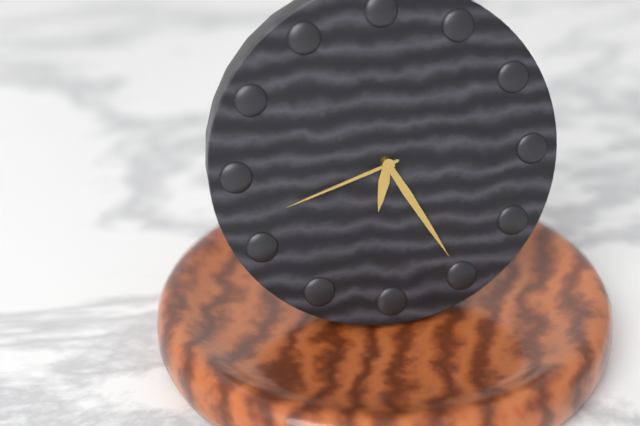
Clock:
6:25:42
